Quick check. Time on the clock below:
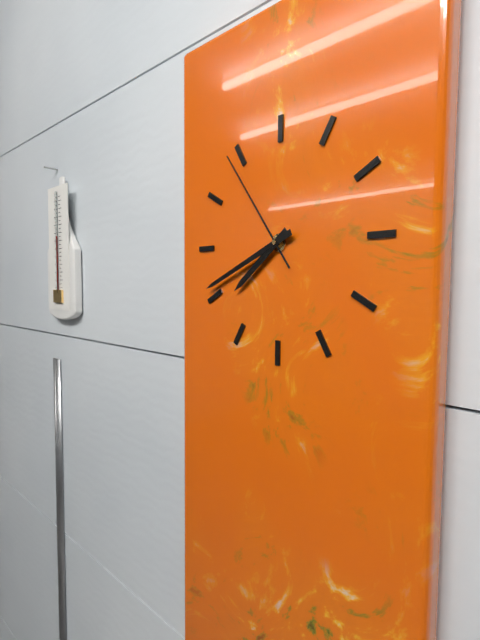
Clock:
7:41:54
